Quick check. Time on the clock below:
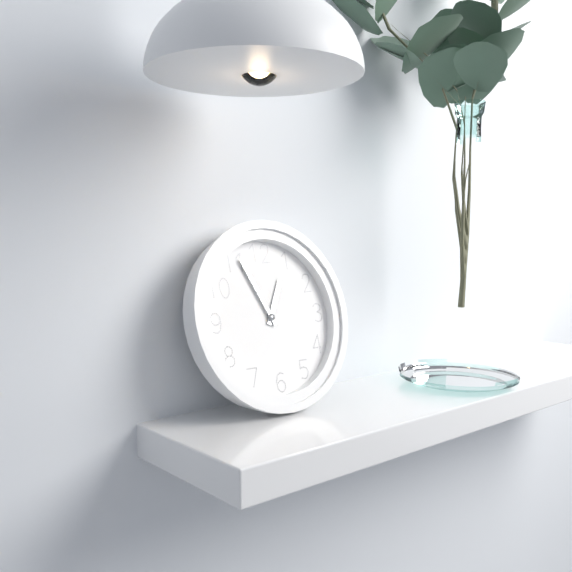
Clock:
12:56
